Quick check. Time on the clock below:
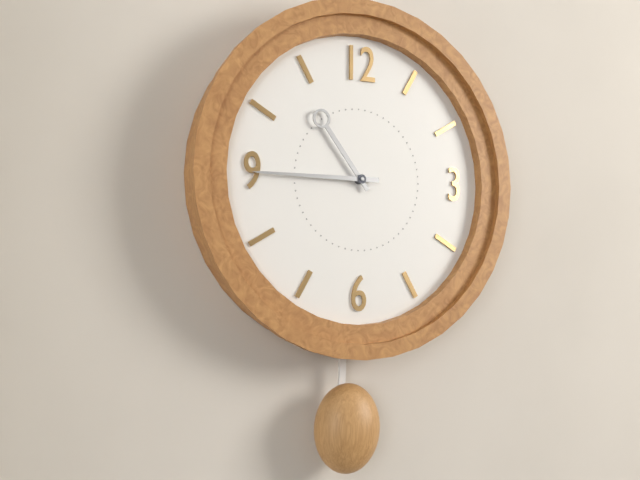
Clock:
10:45
